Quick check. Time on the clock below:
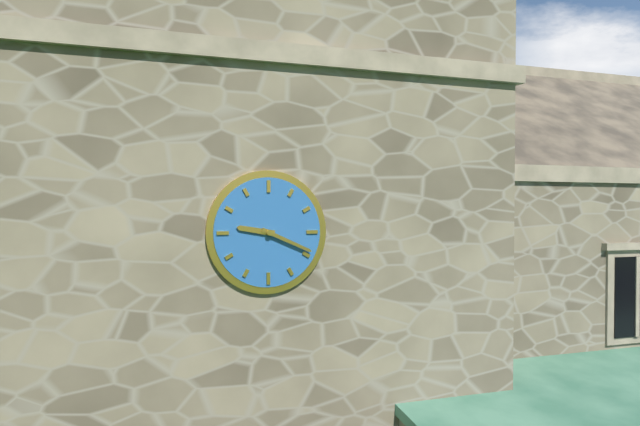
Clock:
9:19
